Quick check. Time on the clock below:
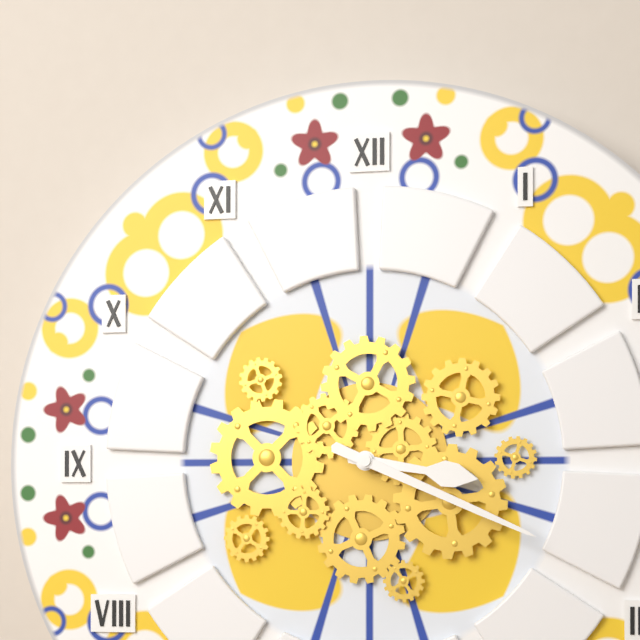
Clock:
3:19
